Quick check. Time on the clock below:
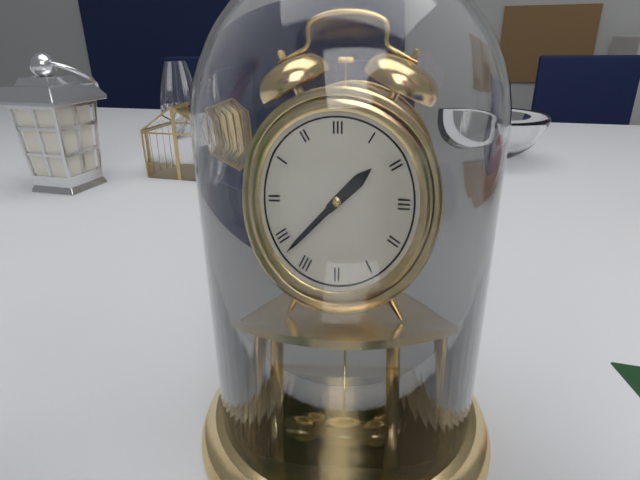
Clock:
1:38
